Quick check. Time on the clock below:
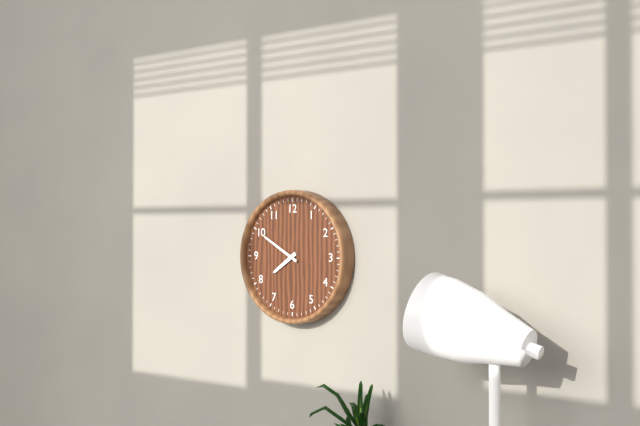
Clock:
7:50
